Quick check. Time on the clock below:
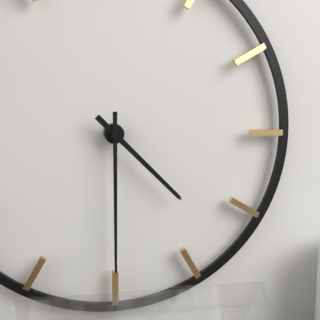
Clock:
4:30
